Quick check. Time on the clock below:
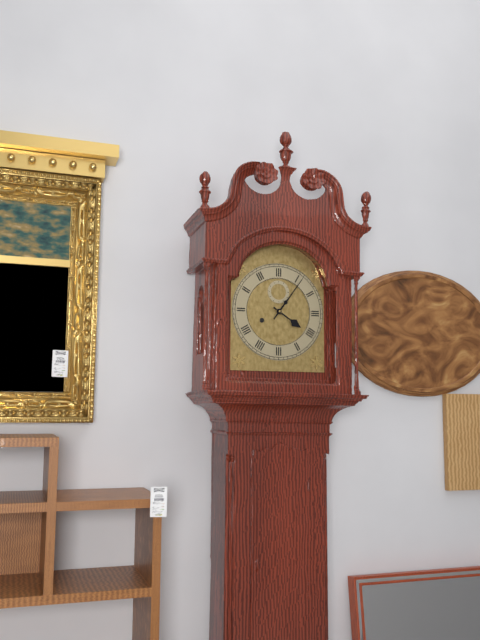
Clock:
4:06
